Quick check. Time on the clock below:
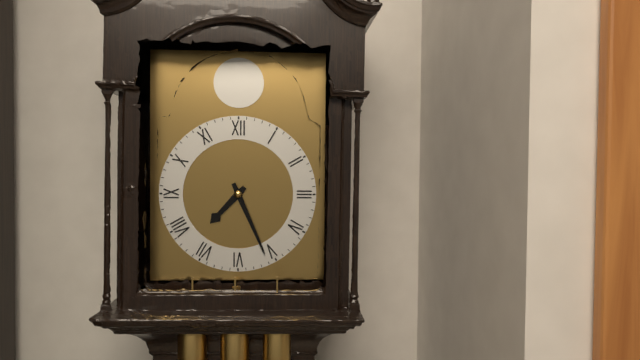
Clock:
7:26
